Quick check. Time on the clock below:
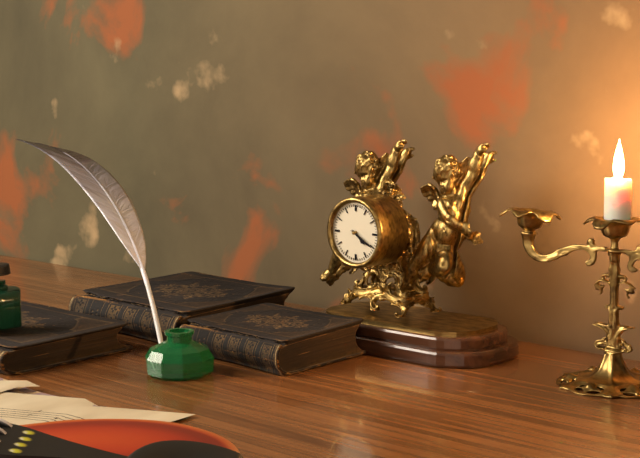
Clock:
4:20
